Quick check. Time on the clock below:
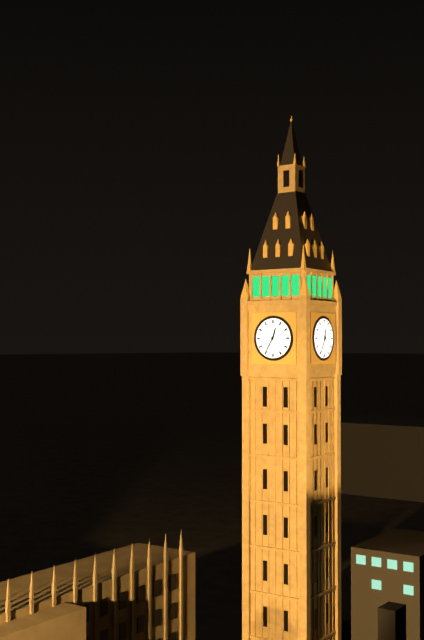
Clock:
12:35
